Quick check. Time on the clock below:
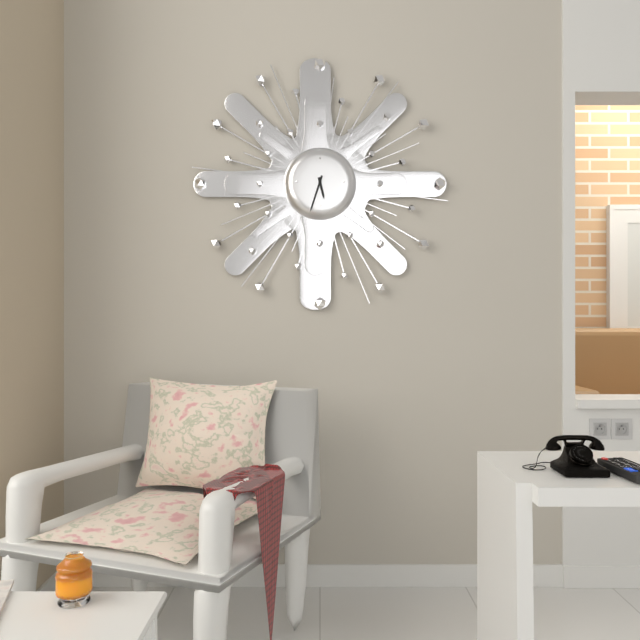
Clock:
5:33
